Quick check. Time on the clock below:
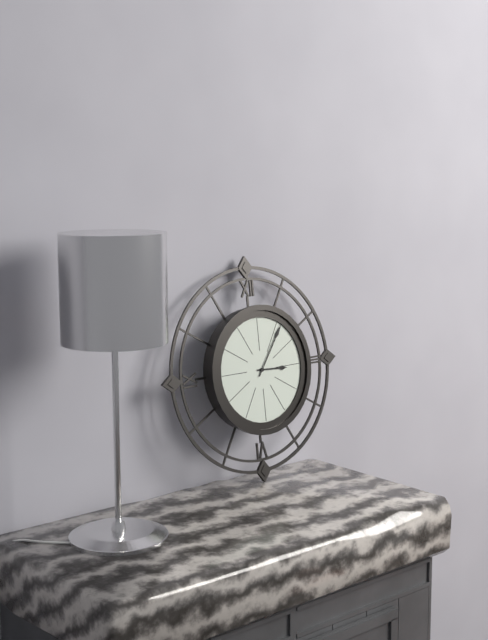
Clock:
3:06
